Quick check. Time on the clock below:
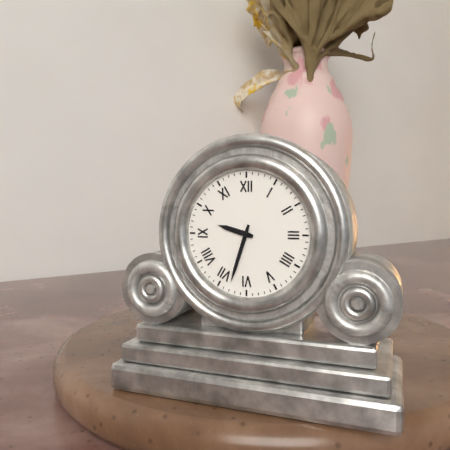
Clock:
9:33
